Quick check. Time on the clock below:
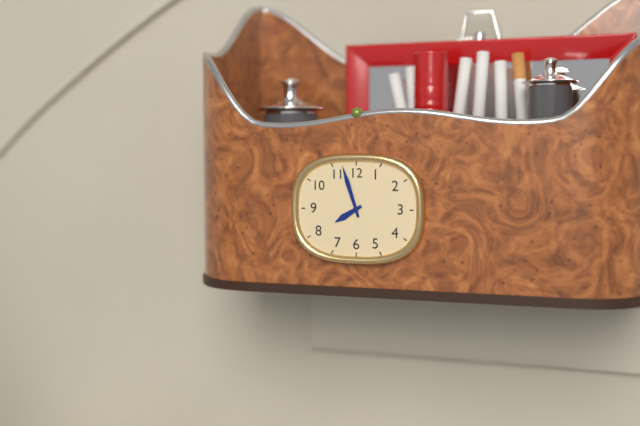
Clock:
7:57
